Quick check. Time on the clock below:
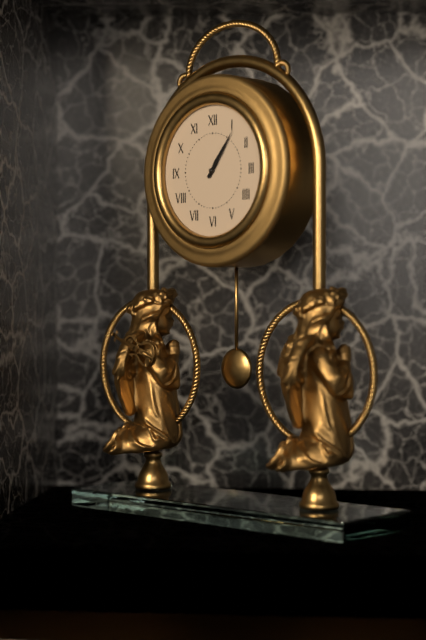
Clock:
1:06
